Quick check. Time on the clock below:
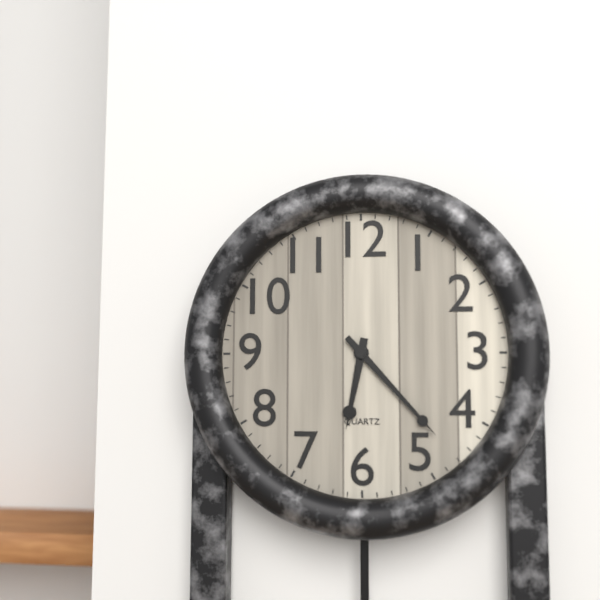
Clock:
6:23
